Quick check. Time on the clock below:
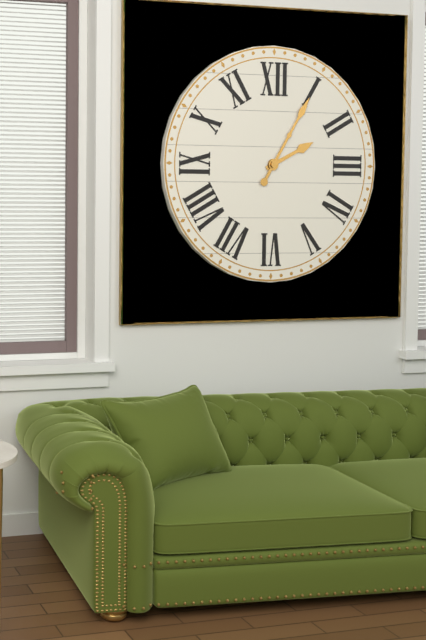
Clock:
2:05
